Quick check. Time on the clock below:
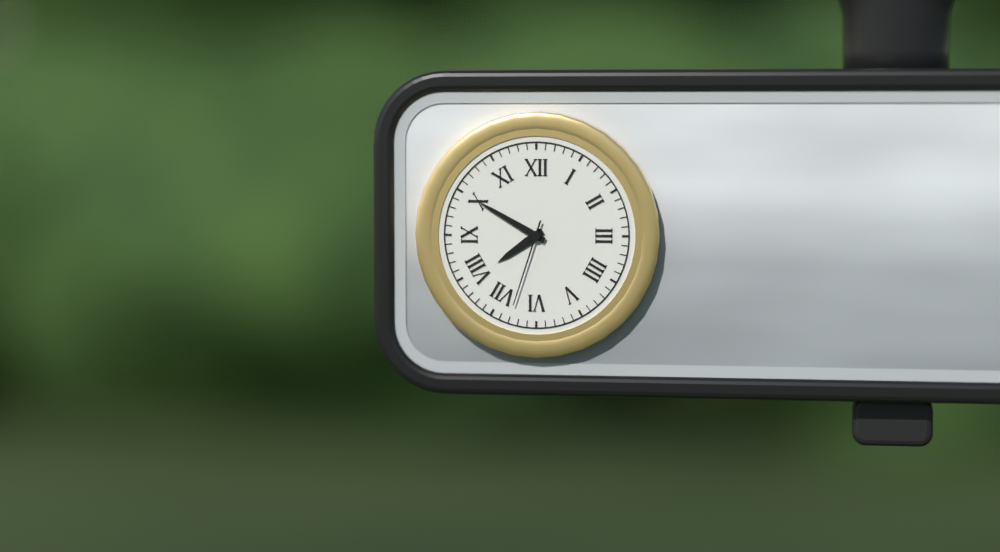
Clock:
7:50:33
